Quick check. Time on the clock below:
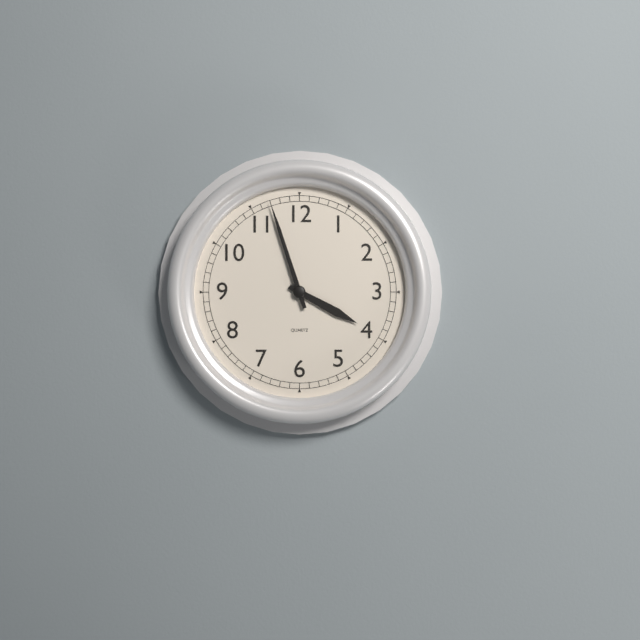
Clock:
3:57
